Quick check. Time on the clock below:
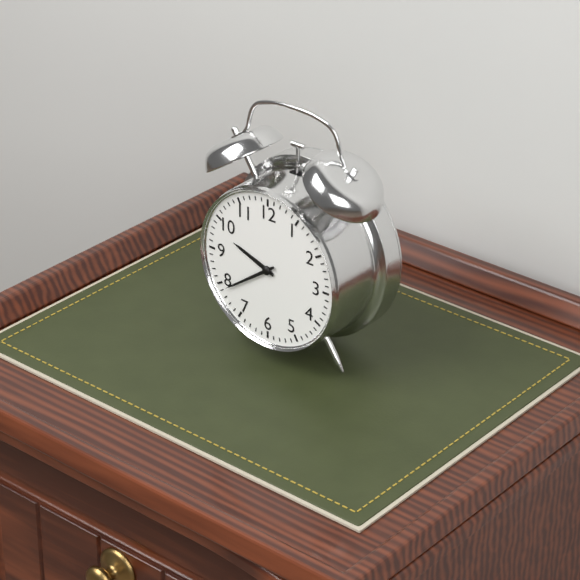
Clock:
9:39
